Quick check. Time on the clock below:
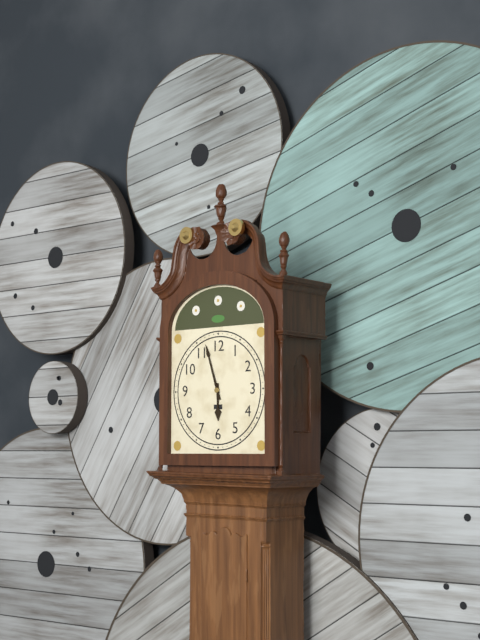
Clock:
5:57
